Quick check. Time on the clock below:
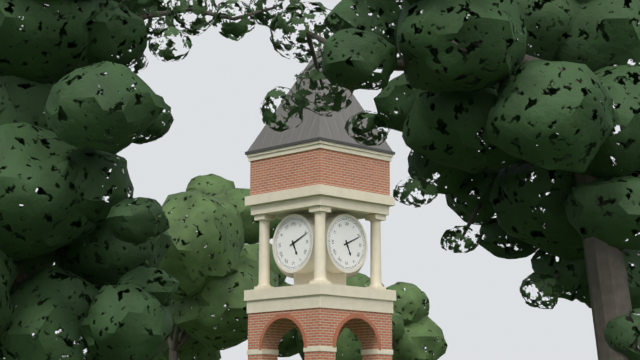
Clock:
5:11
